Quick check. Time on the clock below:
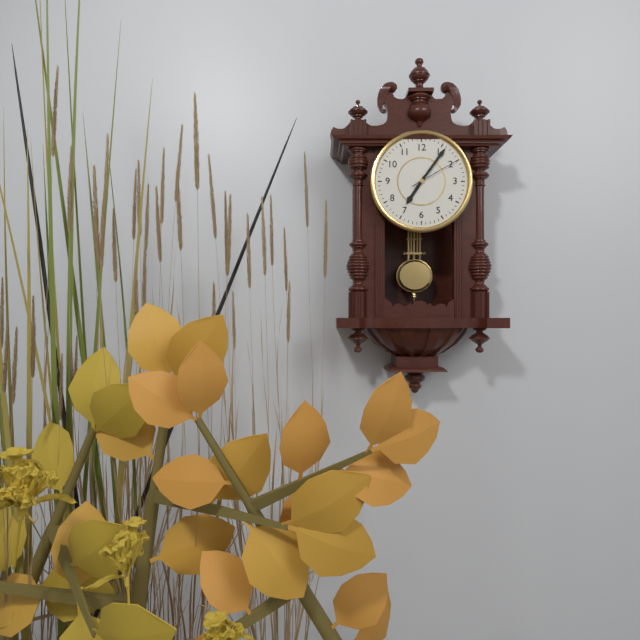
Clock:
7:06:10
